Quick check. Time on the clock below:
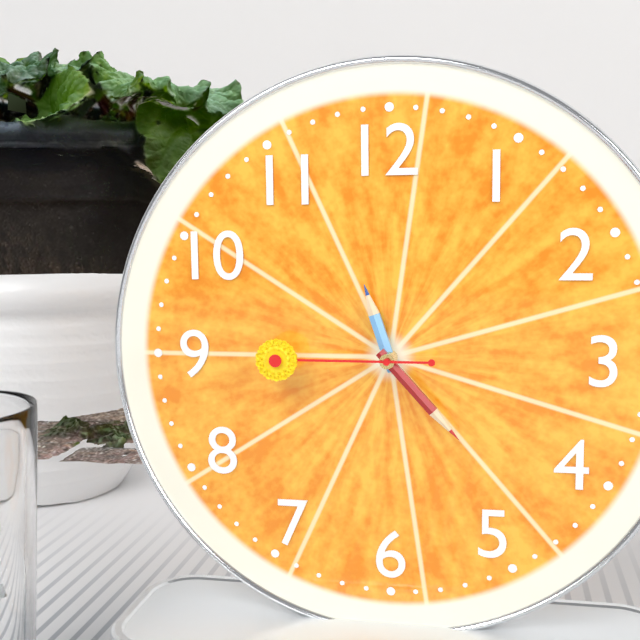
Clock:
11:23:45
